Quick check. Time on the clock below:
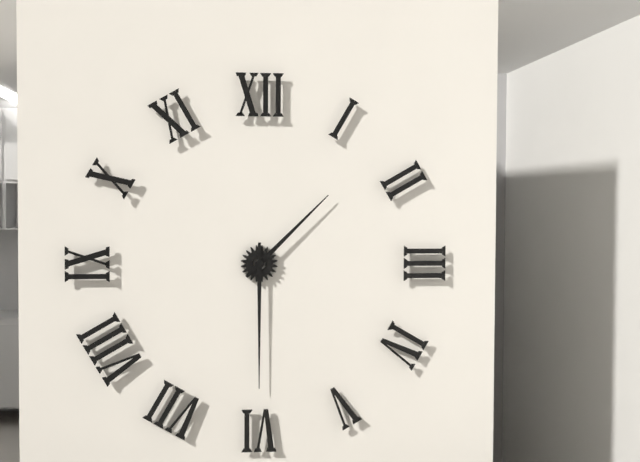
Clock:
1:30
